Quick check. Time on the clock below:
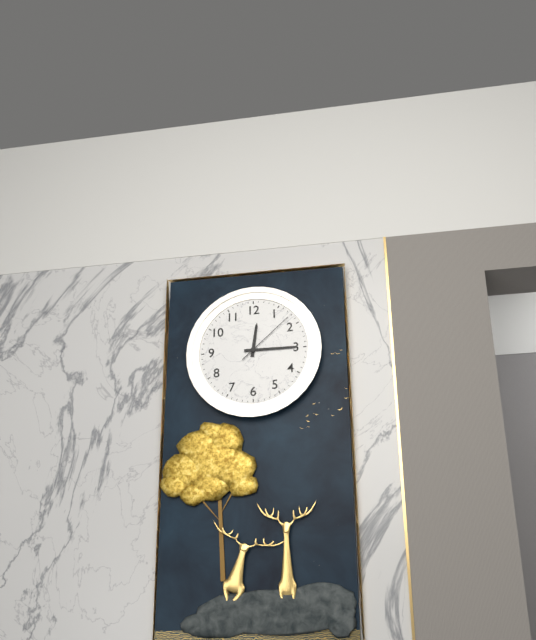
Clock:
12:15:08
